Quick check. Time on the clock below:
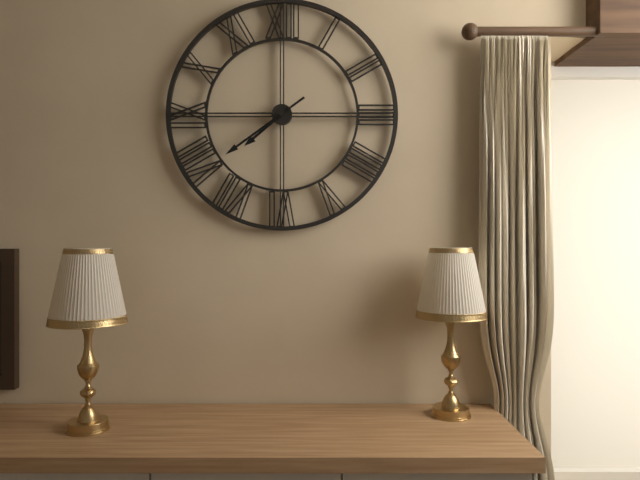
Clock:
7:39
